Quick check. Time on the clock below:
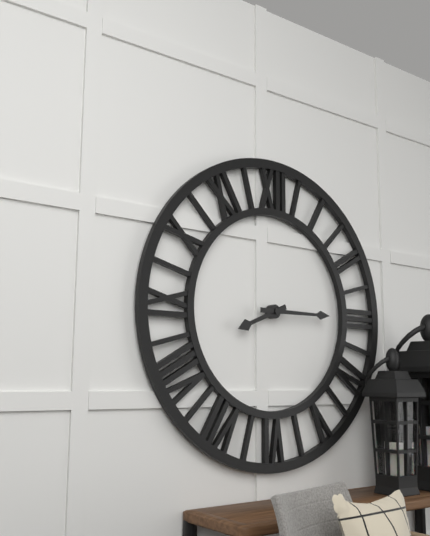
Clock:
8:15
